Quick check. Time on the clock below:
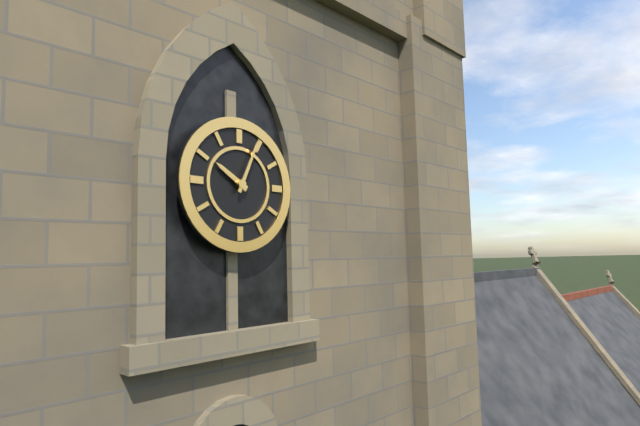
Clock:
10:04
